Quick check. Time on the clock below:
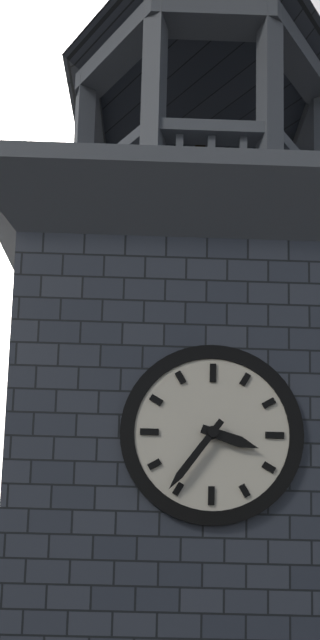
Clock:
3:36
